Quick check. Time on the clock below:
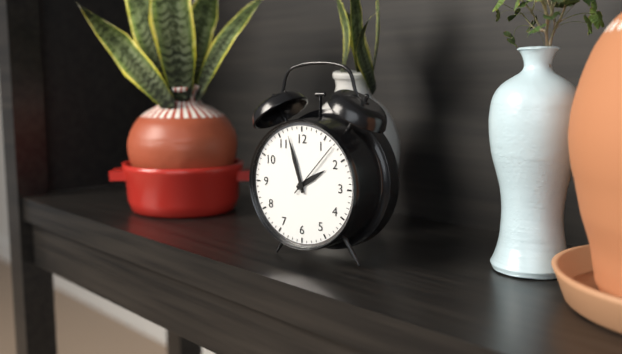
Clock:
1:57:07
